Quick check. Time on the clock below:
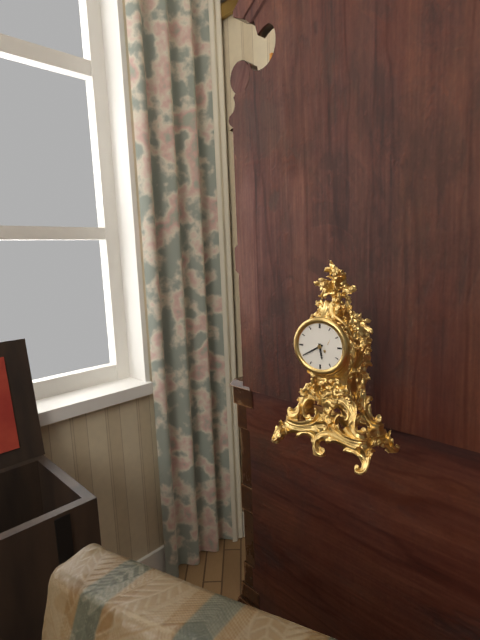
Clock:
5:40
